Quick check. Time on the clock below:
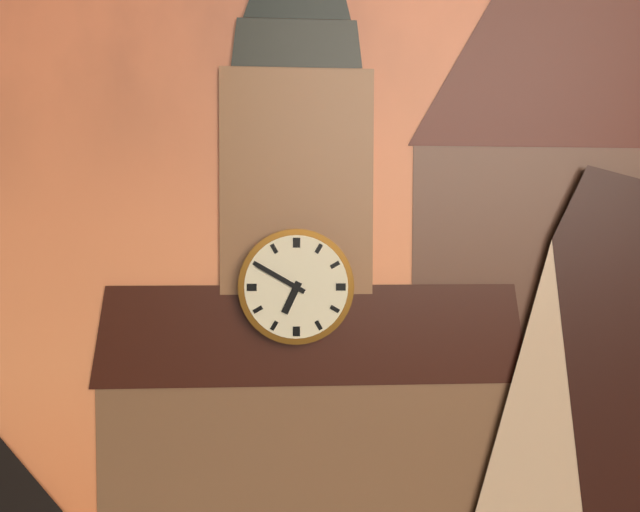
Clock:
6:50
